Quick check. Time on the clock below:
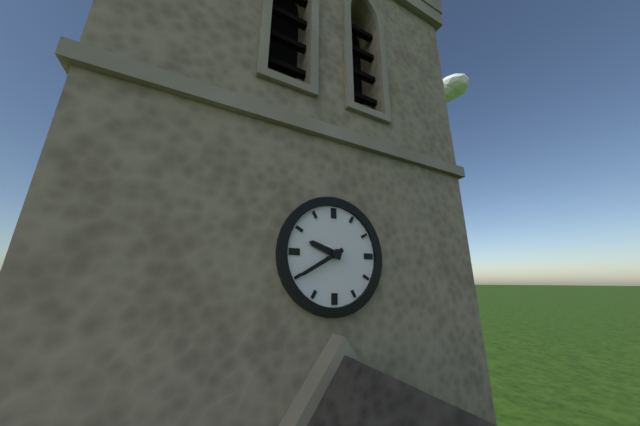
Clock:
9:40
